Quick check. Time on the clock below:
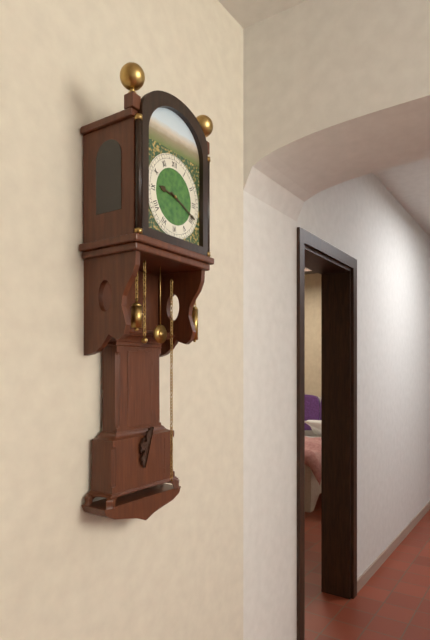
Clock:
9:19
